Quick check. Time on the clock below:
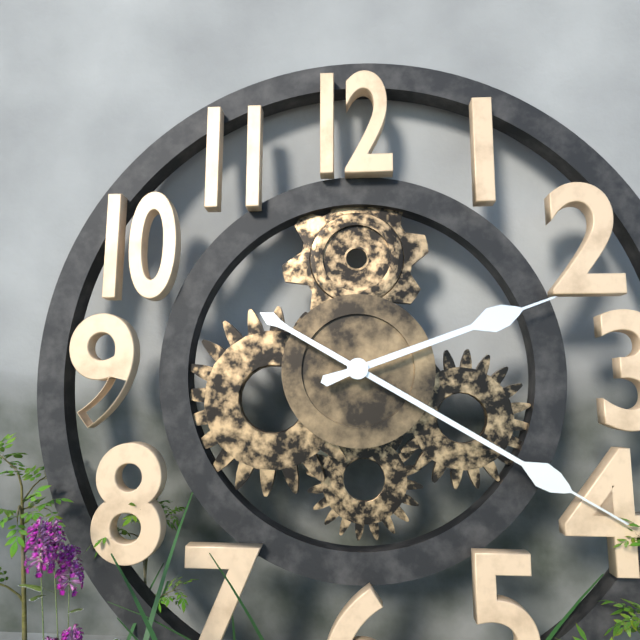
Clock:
2:20
